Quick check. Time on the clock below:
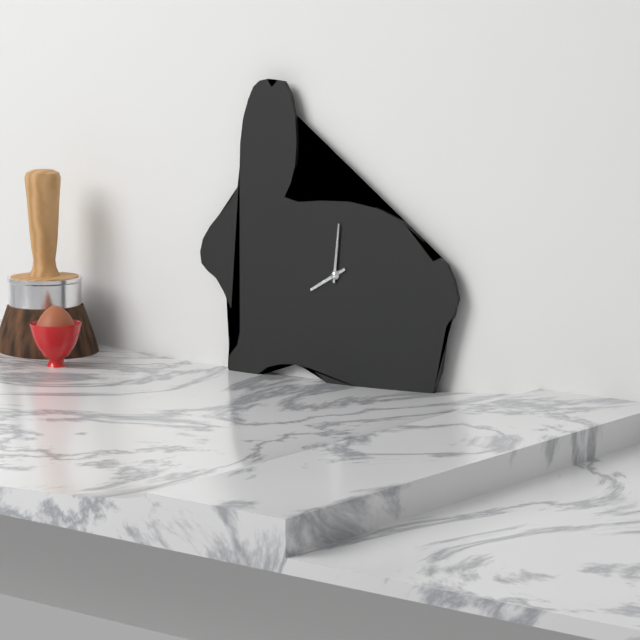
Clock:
8:01
